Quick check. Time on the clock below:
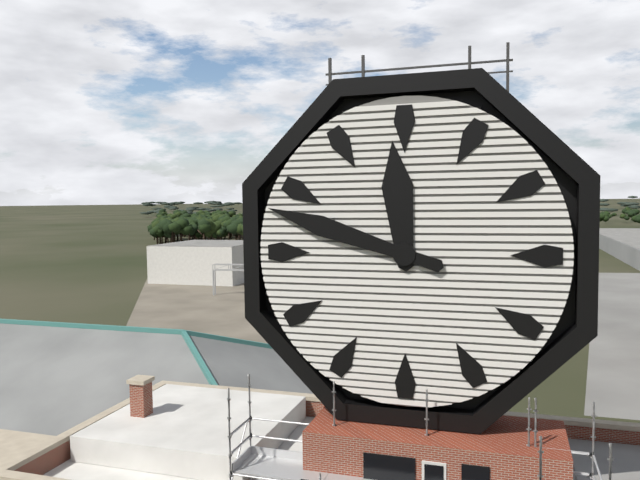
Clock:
11:48
